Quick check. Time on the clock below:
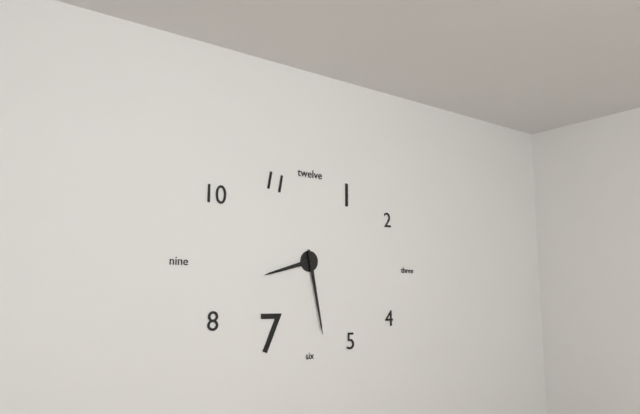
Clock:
8:28
